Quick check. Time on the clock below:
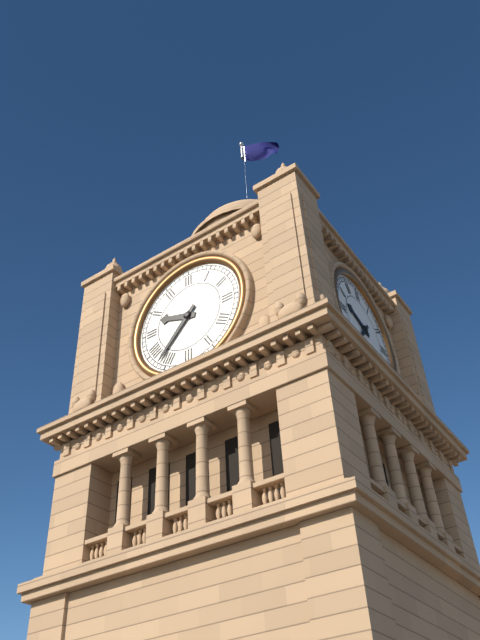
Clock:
9:37
